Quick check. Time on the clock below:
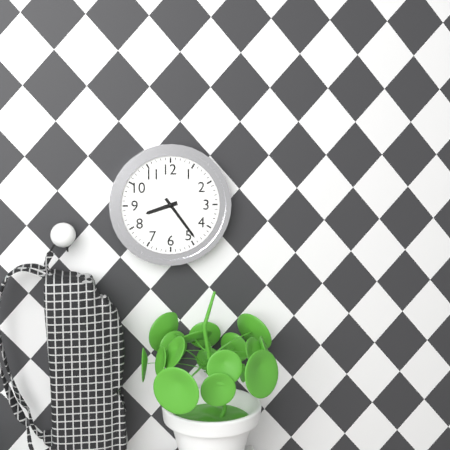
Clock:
8:24
